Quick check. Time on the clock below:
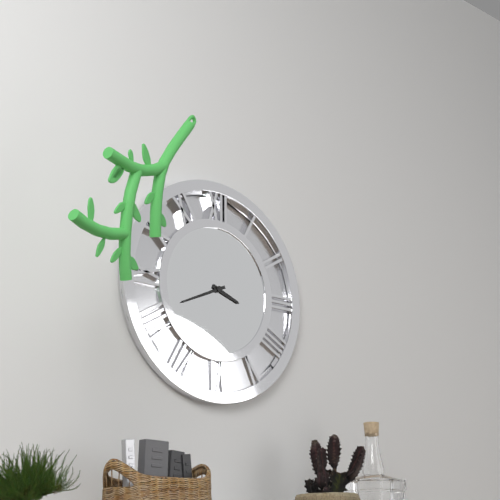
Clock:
3:41
